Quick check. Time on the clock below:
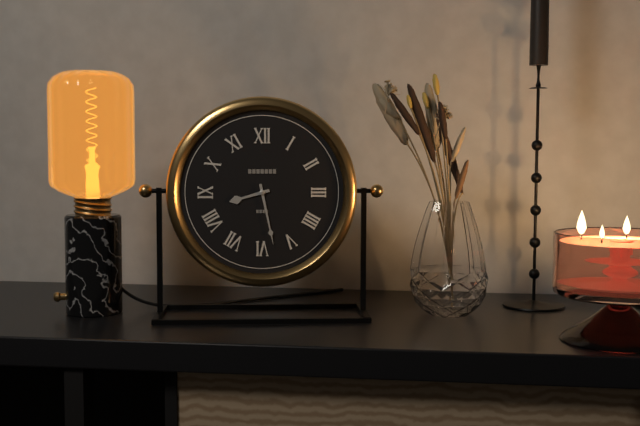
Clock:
8:28
